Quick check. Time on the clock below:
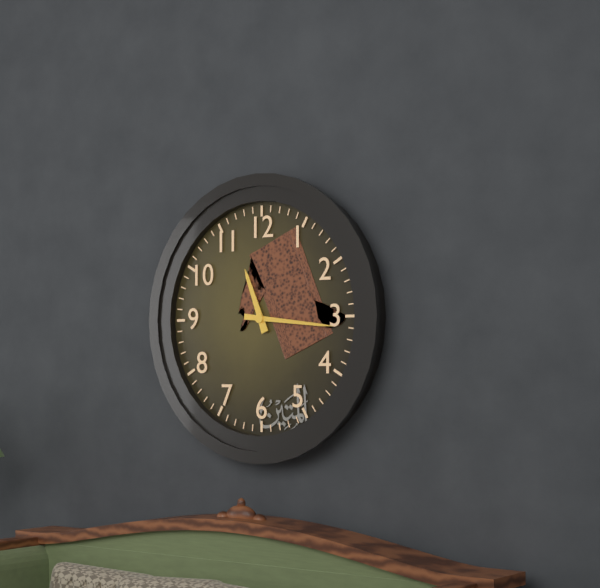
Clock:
11:16
